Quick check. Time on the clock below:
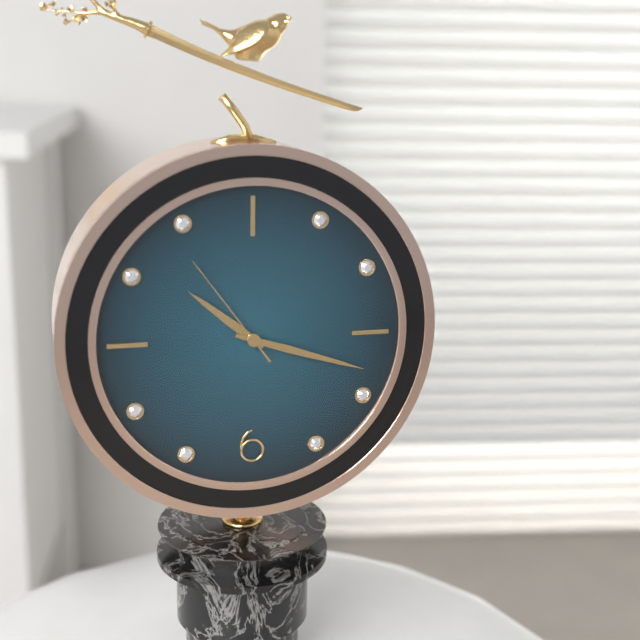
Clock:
10:18:54
